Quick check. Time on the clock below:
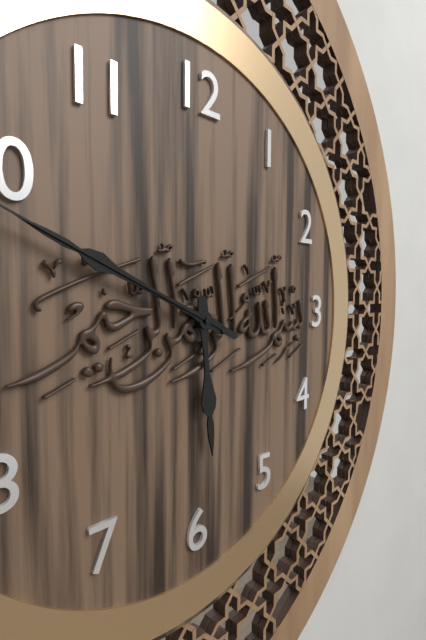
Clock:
5:49
